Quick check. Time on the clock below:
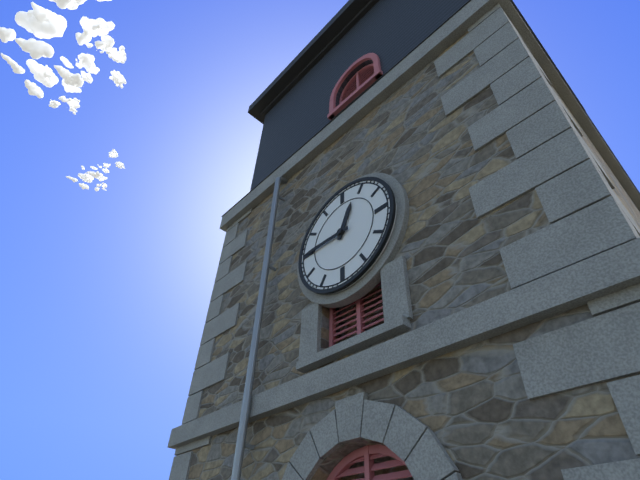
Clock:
12:45
